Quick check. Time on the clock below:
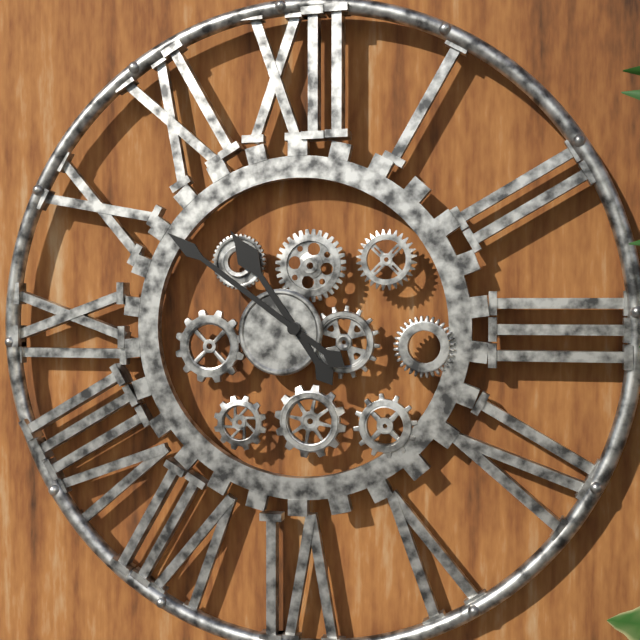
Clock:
10:51
